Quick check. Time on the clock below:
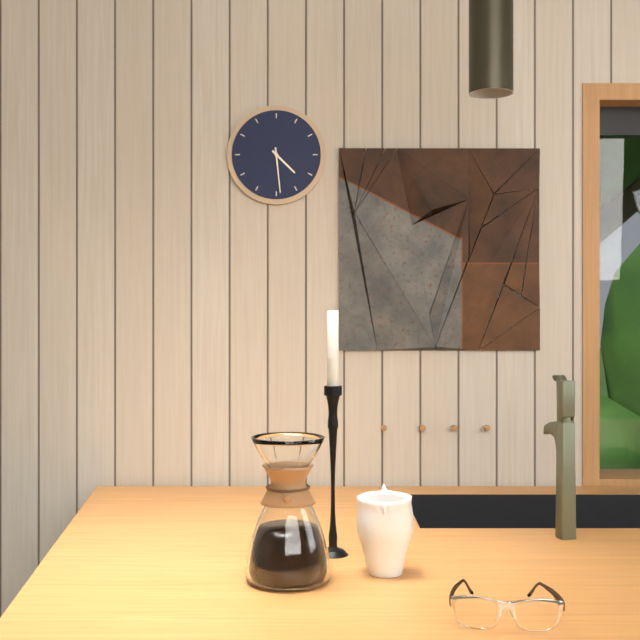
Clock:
4:29
